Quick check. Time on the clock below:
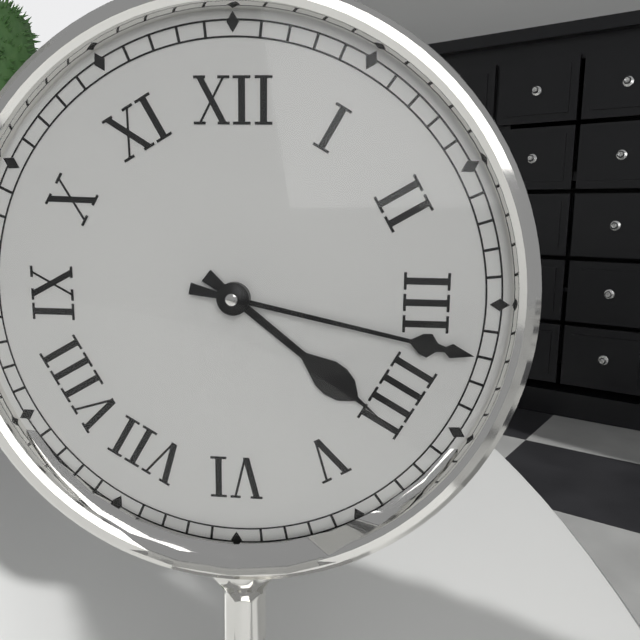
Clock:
4:17
